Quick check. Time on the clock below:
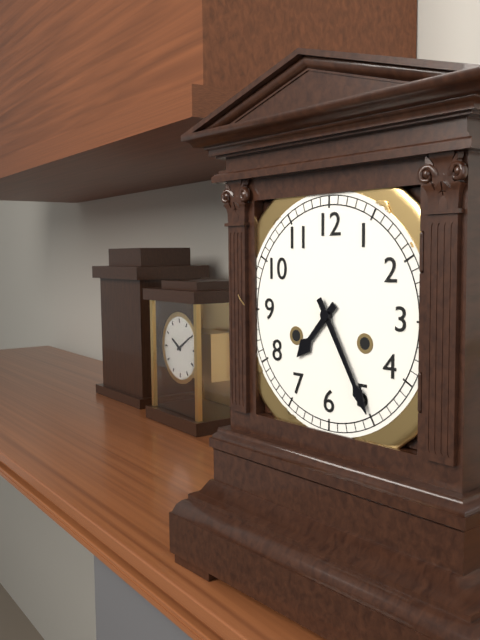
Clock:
7:25
